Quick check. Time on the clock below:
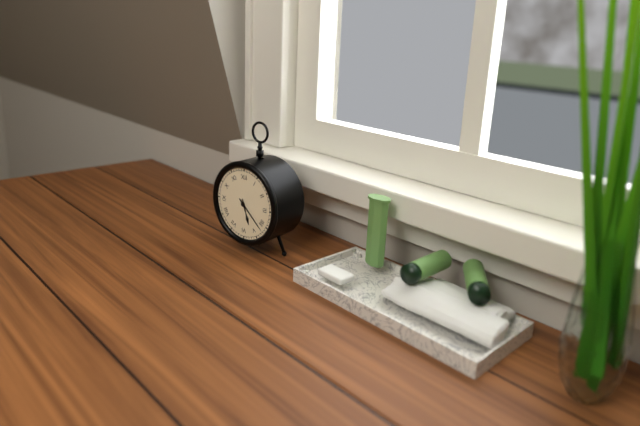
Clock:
5:22
